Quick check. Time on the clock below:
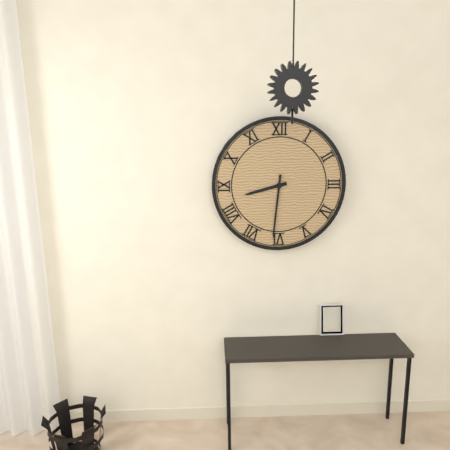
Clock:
8:31
